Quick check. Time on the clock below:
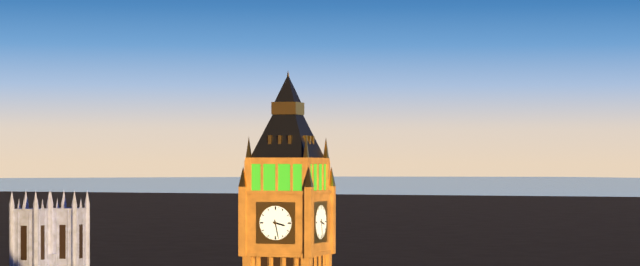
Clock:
3:28
